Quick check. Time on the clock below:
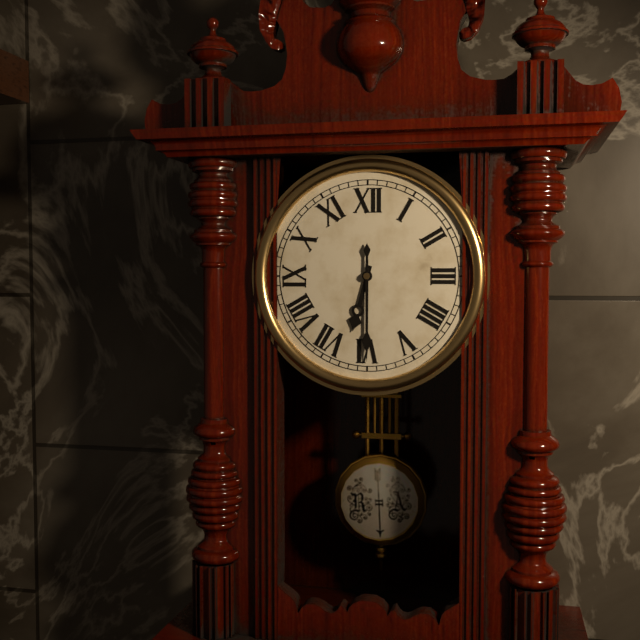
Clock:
6:30
